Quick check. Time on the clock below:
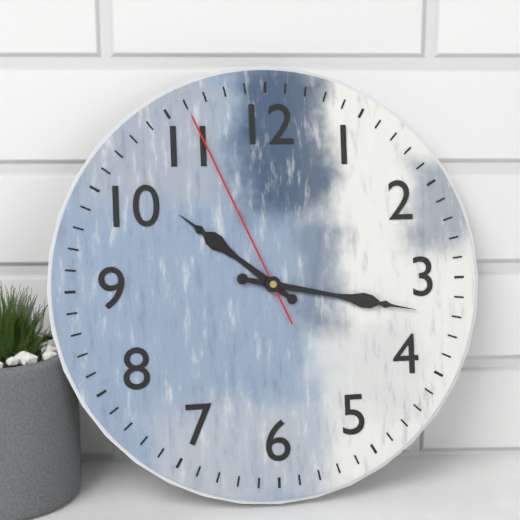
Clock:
10:17:56
